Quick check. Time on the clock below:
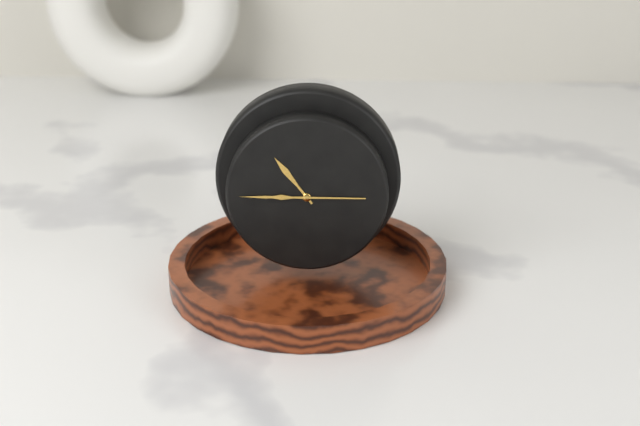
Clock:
10:45
